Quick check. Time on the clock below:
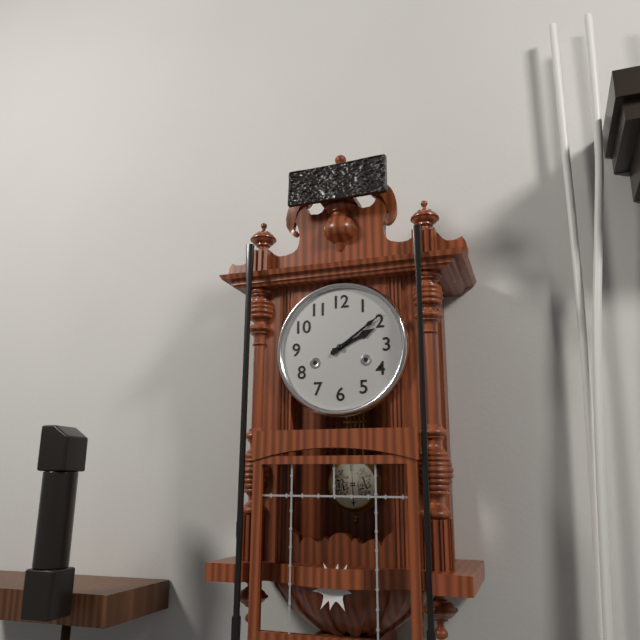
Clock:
2:09
